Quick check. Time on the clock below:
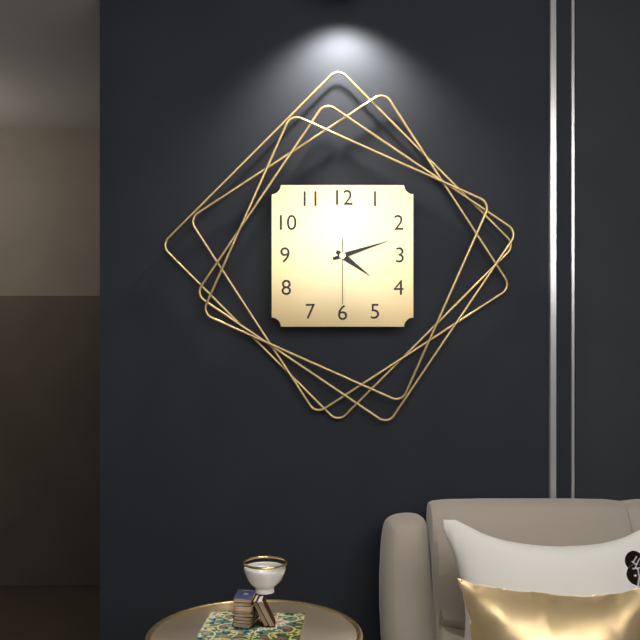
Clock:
4:12:30
